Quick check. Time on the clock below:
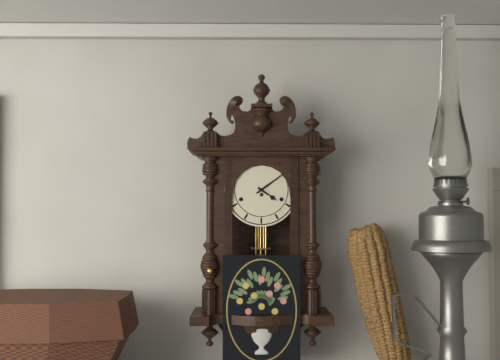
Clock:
4:09
